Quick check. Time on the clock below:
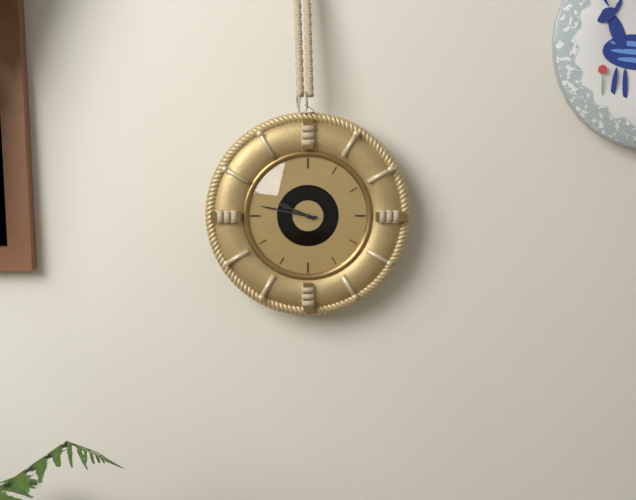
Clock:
9:47
